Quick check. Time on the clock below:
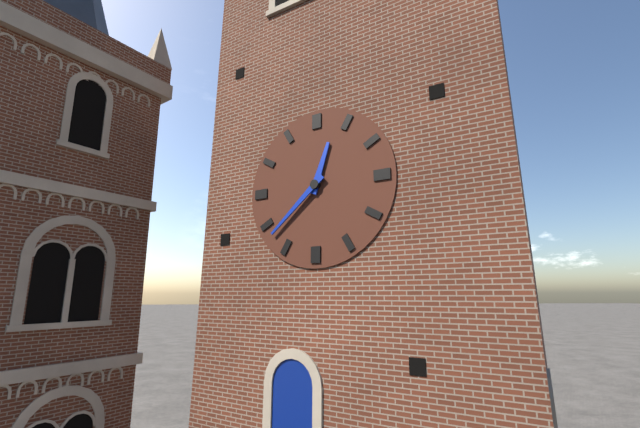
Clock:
12:38
